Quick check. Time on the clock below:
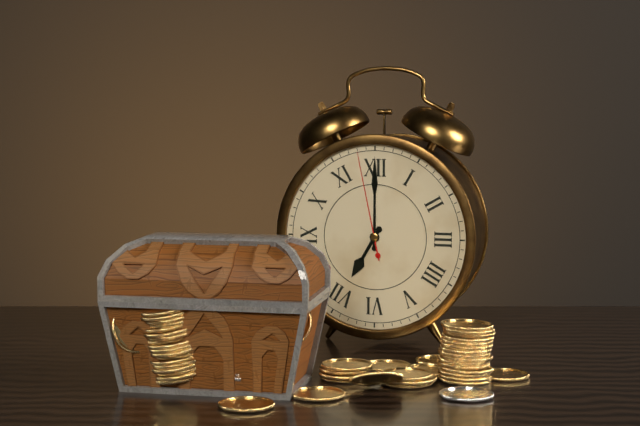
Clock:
7:00:58
